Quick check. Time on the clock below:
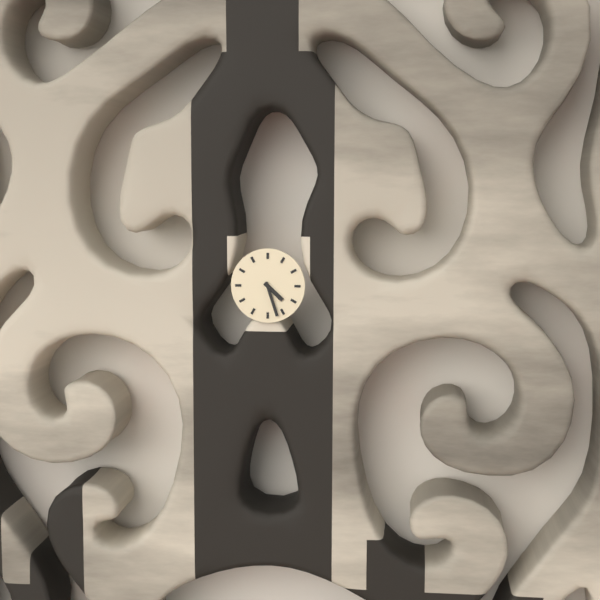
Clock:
4:27
